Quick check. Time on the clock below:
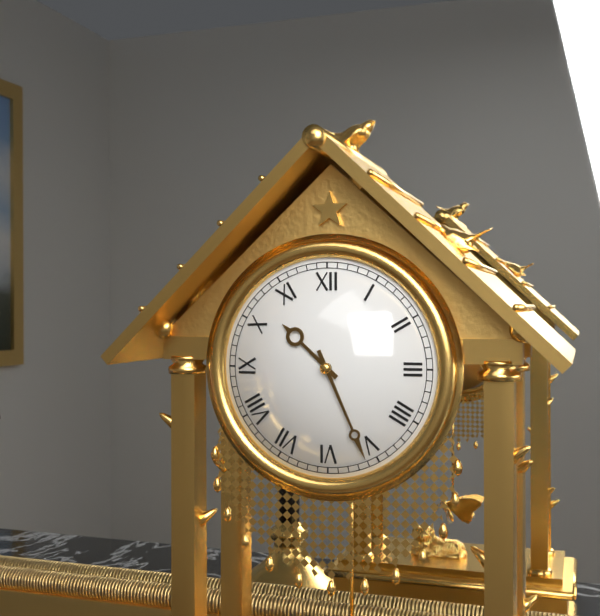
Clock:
10:26
